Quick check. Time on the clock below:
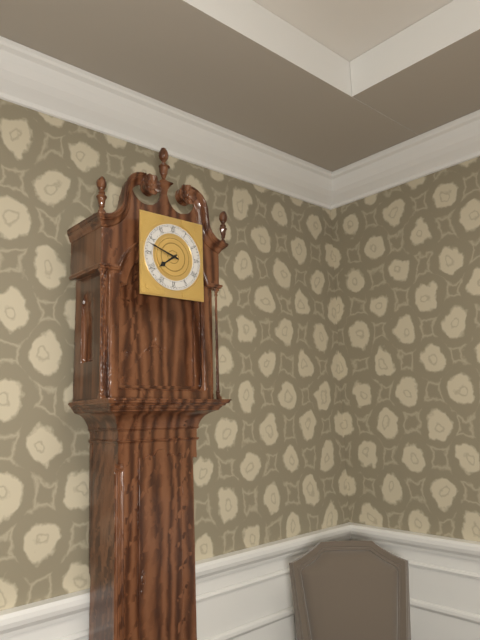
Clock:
7:48
